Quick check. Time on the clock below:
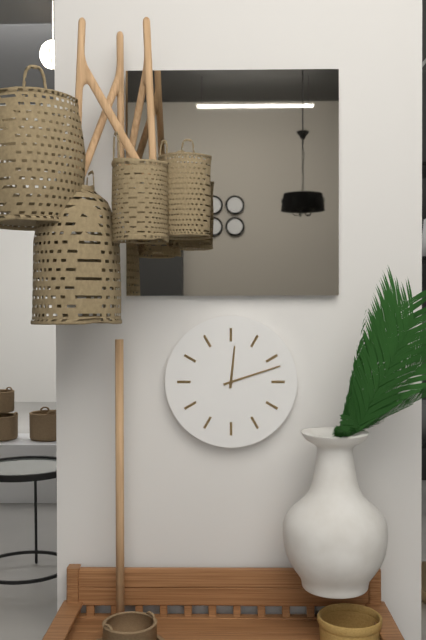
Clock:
12:12
